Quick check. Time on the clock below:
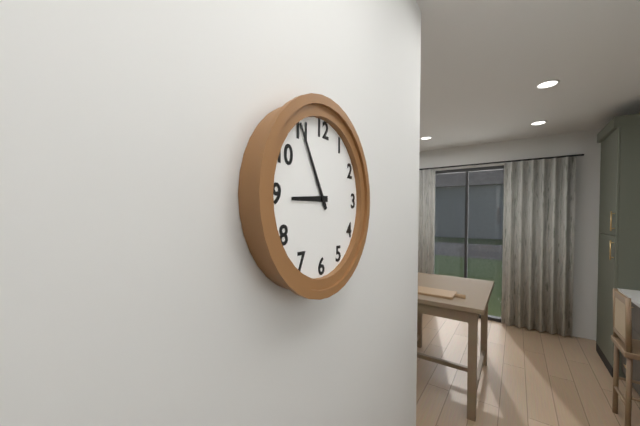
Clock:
8:55
